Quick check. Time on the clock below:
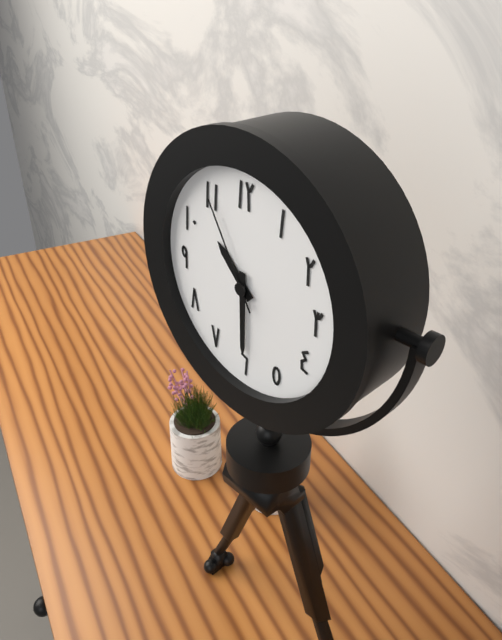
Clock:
10:30:55
